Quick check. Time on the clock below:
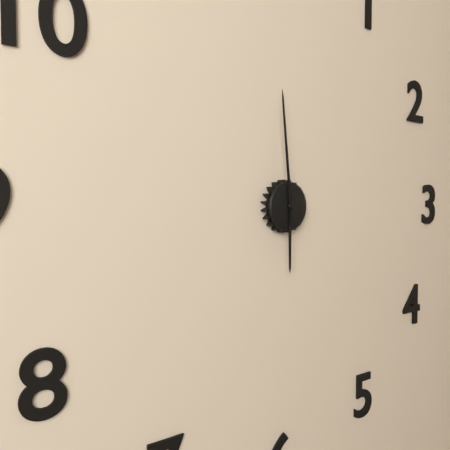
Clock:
5:59
